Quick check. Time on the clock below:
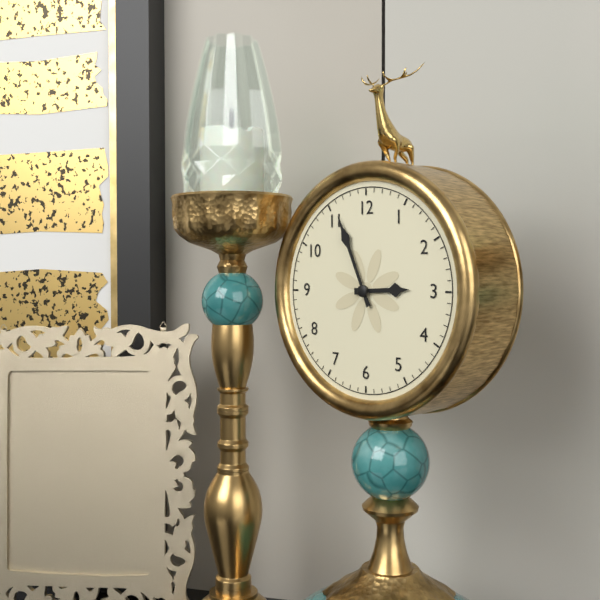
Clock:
2:56
